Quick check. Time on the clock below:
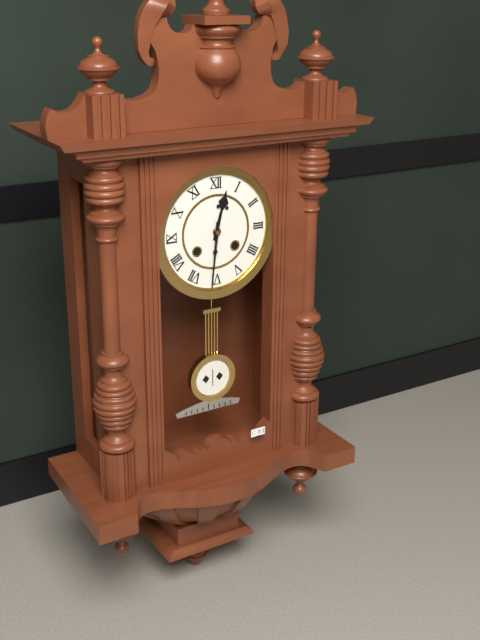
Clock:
12:31
